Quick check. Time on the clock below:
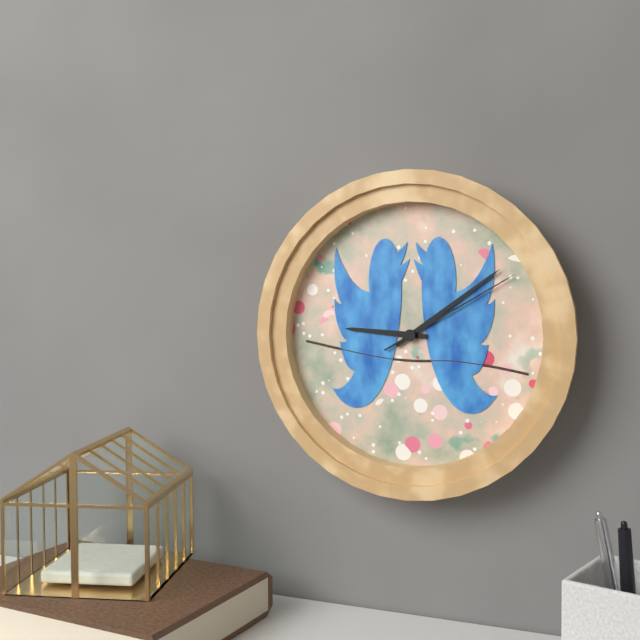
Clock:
9:09:10
